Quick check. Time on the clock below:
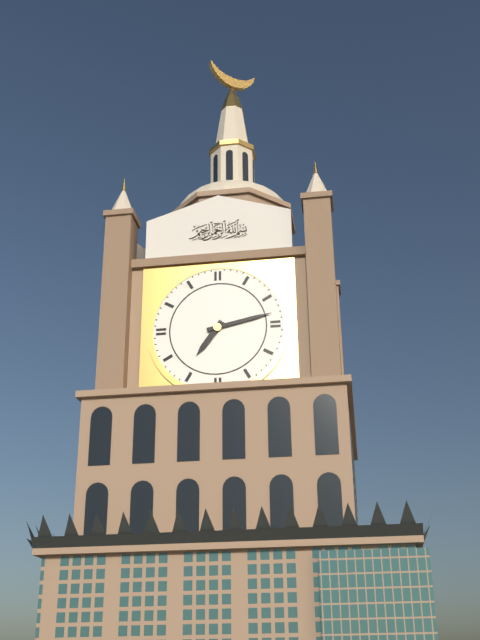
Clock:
7:13
